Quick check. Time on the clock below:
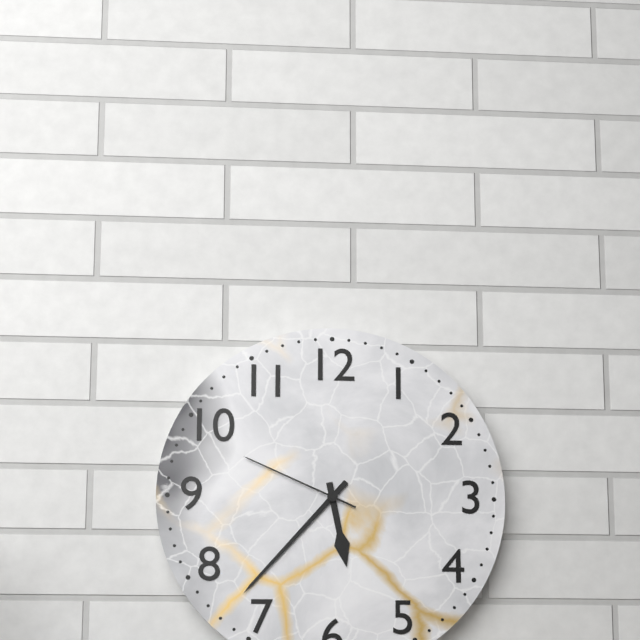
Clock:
5:37:49
